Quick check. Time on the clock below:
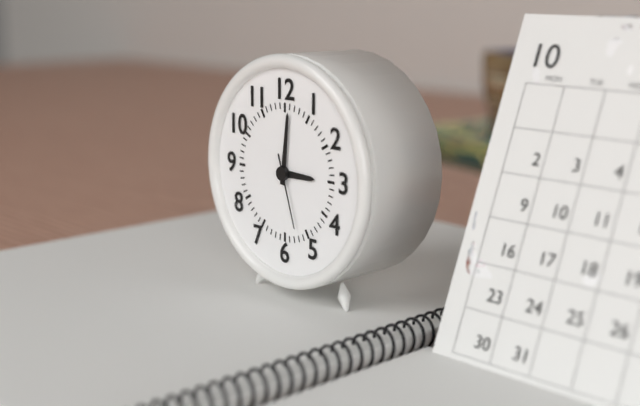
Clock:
3:01:27
